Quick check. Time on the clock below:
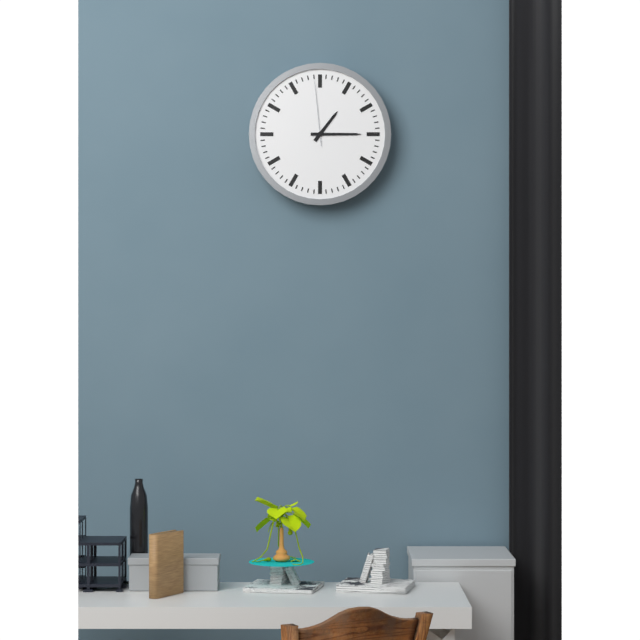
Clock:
1:15:59
